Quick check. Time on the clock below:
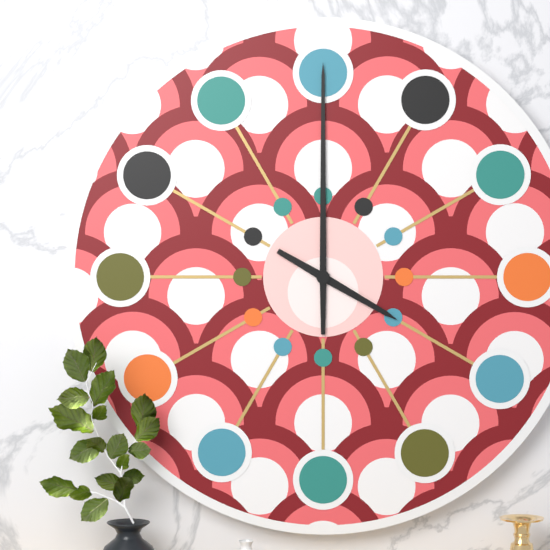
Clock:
4:00
